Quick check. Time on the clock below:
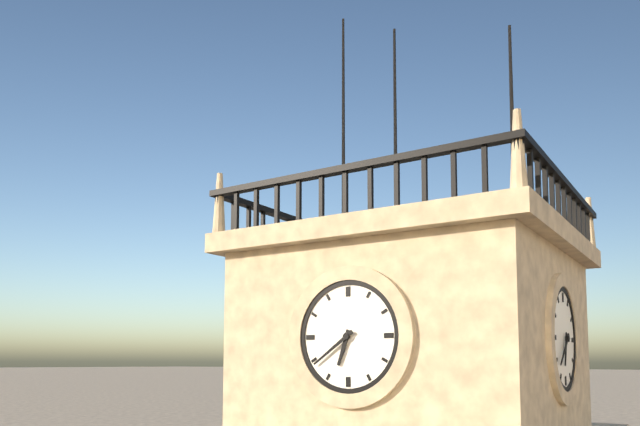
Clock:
6:39
